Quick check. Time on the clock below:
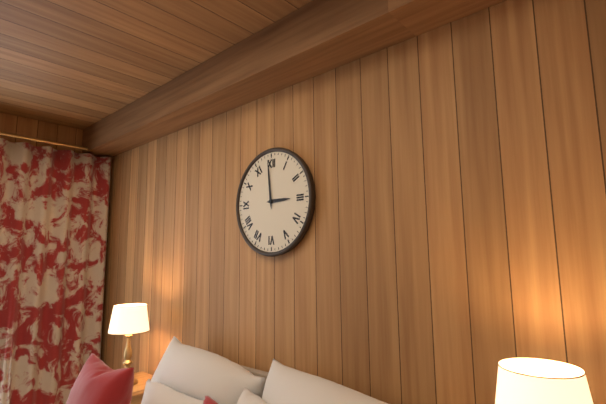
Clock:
2:59
